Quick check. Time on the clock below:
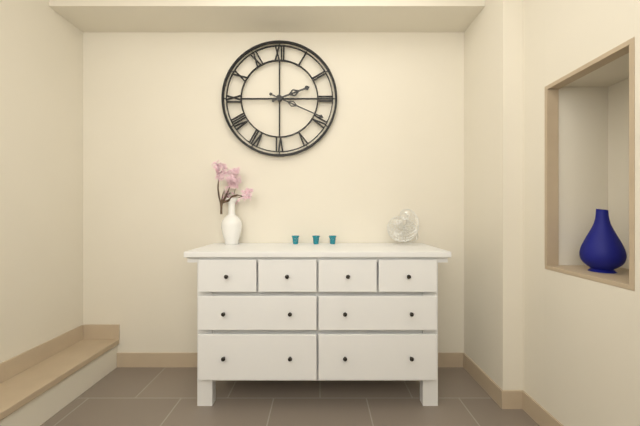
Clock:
2:19
